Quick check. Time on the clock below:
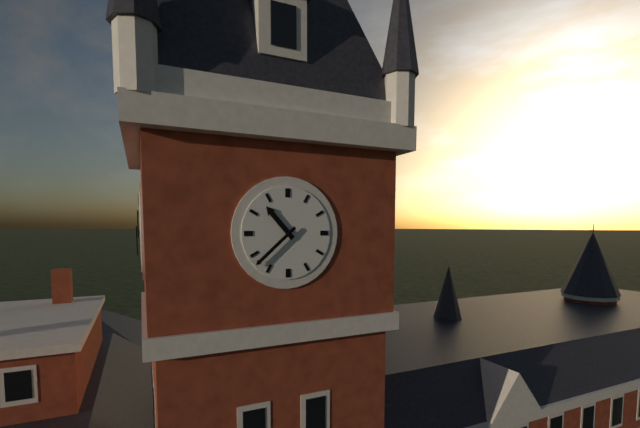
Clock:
10:38
